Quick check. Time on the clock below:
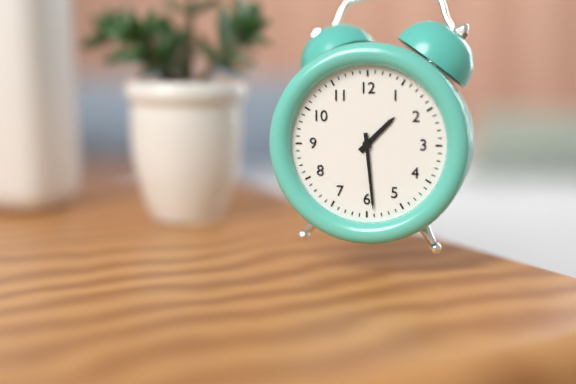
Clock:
1:29
